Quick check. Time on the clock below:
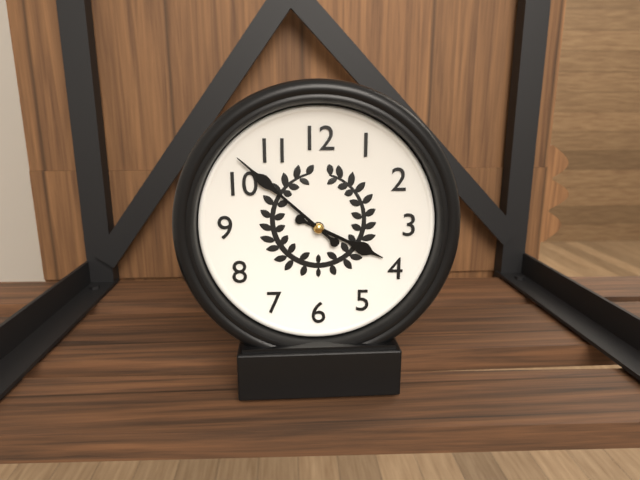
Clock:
3:52
